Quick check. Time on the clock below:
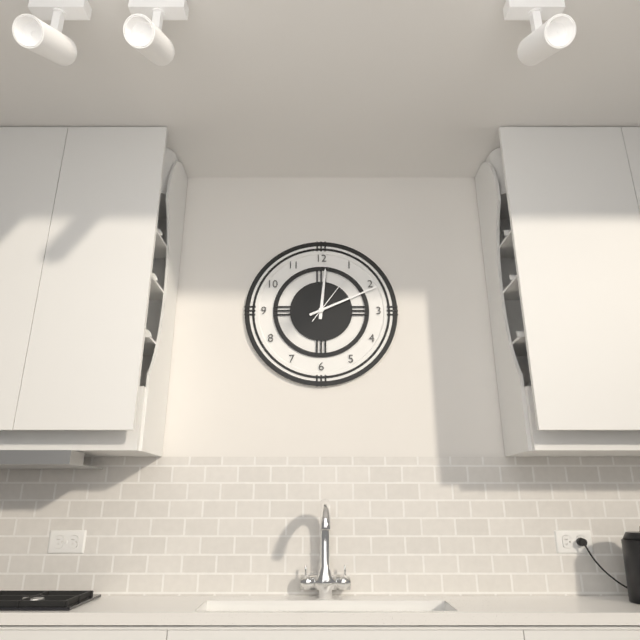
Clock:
12:11:06
